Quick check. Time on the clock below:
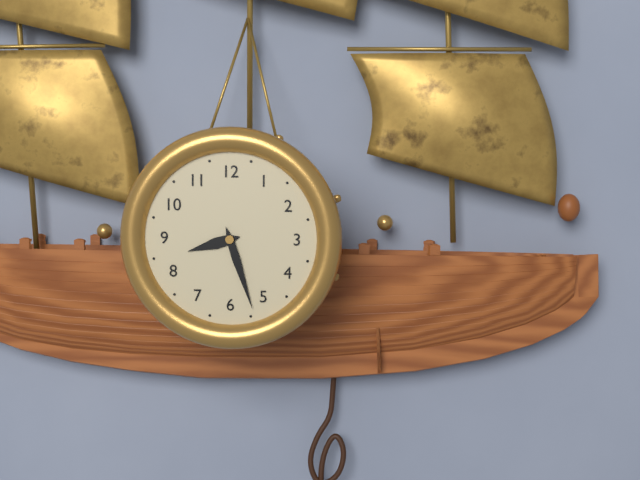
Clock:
8:27
